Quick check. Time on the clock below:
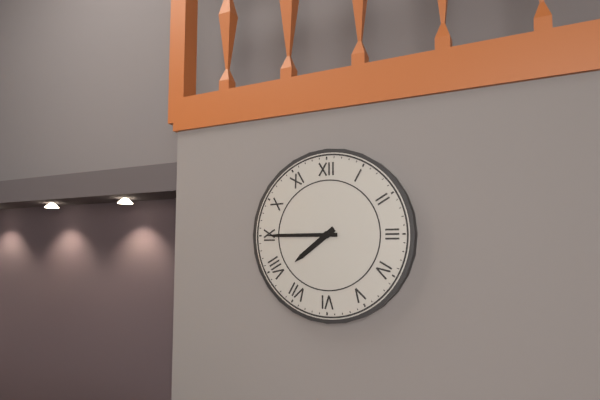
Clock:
7:45
